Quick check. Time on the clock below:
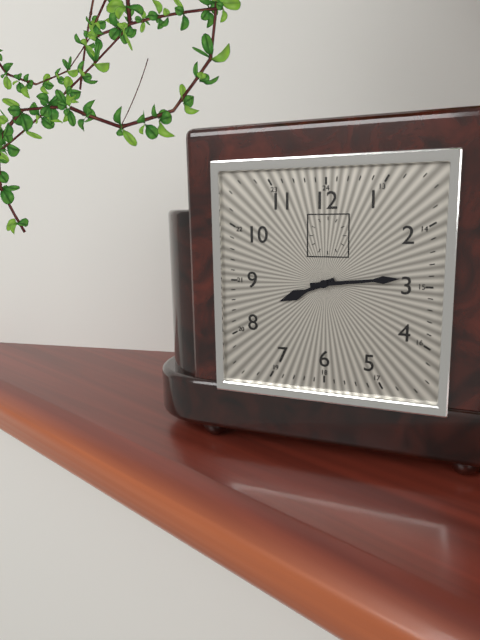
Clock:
8:14
